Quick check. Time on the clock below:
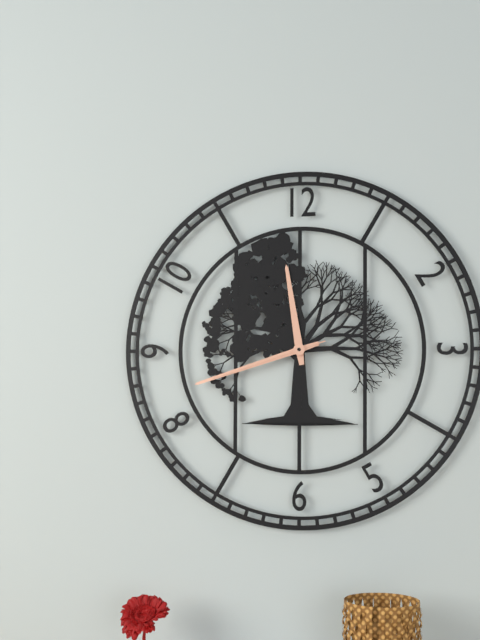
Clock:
11:42:42
